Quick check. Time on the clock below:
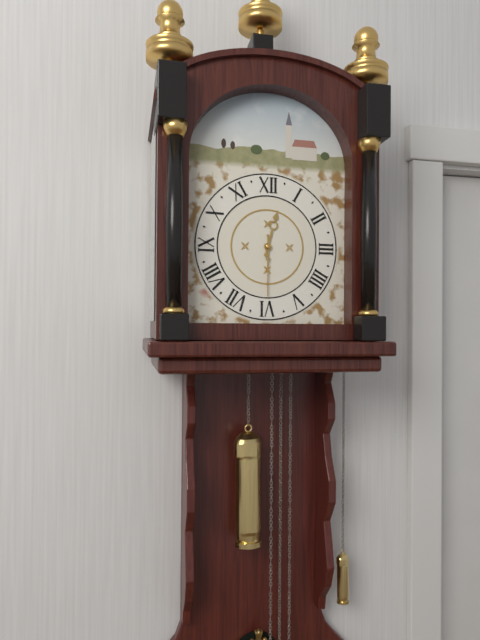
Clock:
12:30
